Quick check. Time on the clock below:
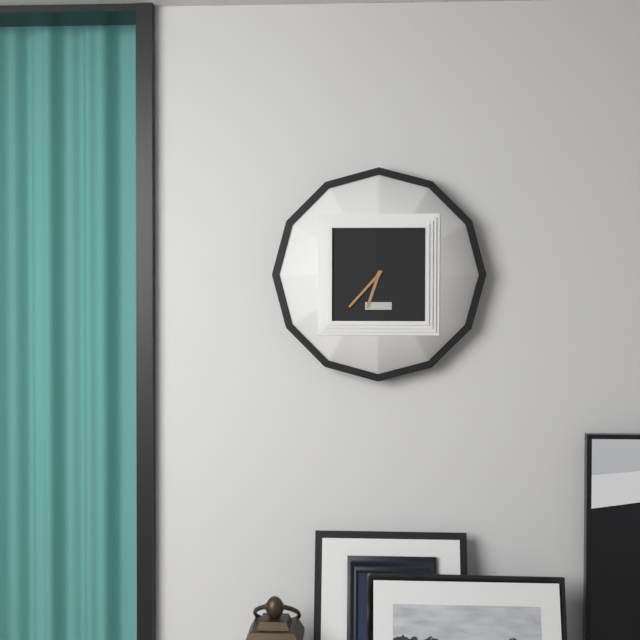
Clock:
6:37
